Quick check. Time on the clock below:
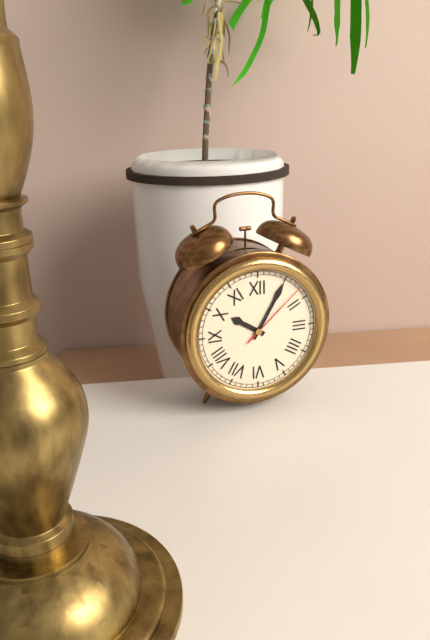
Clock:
10:05:08
